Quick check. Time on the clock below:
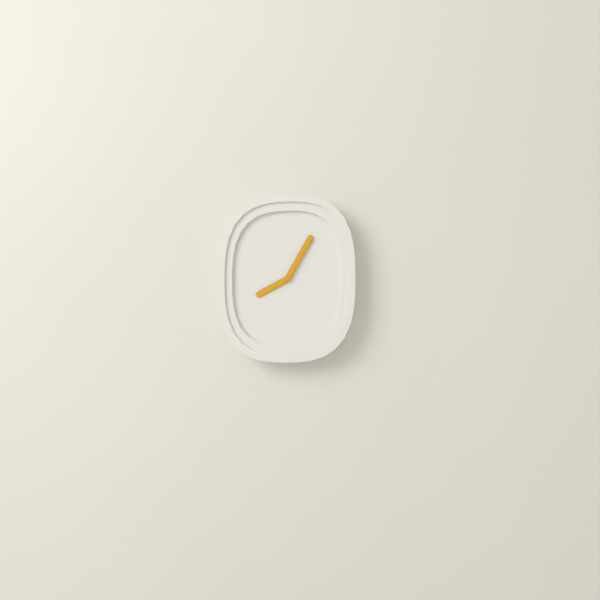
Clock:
8:05
